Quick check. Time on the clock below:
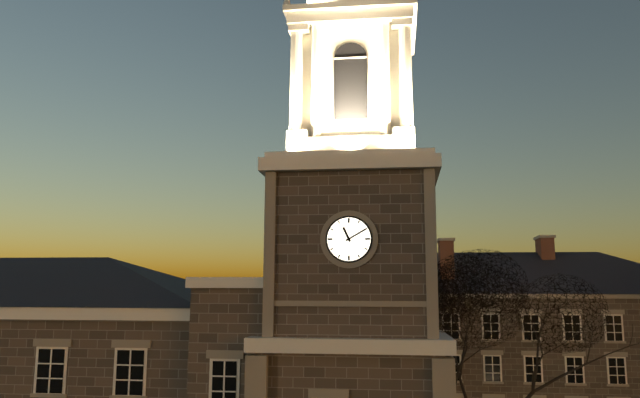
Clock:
11:10
